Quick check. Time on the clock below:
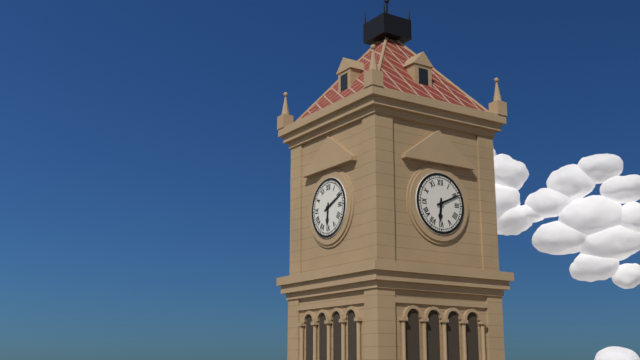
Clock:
6:11
